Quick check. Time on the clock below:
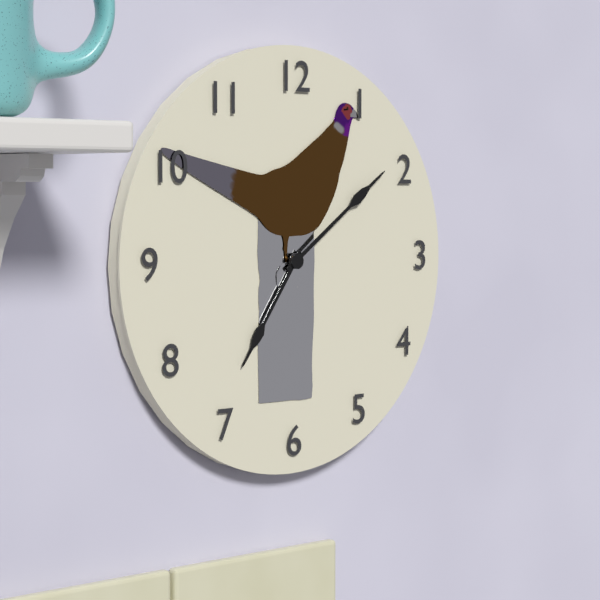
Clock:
7:09
